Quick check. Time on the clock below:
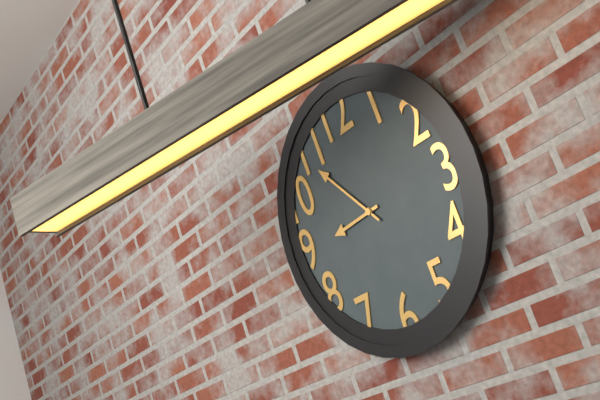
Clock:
8:54
